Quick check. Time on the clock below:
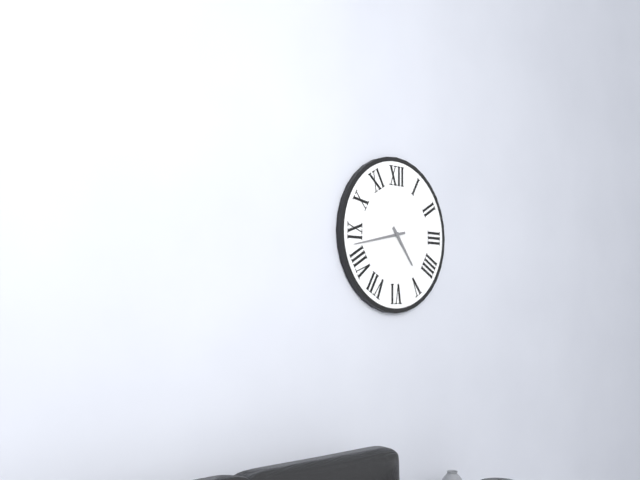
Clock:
4:43
